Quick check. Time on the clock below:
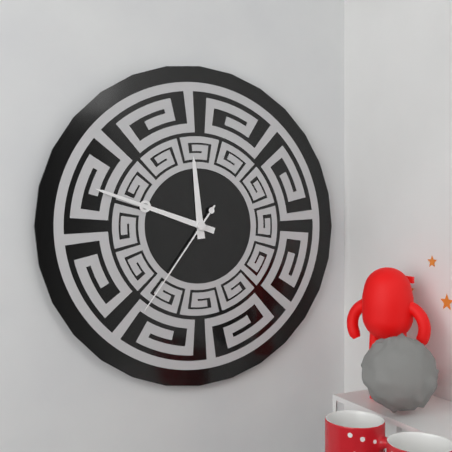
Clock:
11:48:36
